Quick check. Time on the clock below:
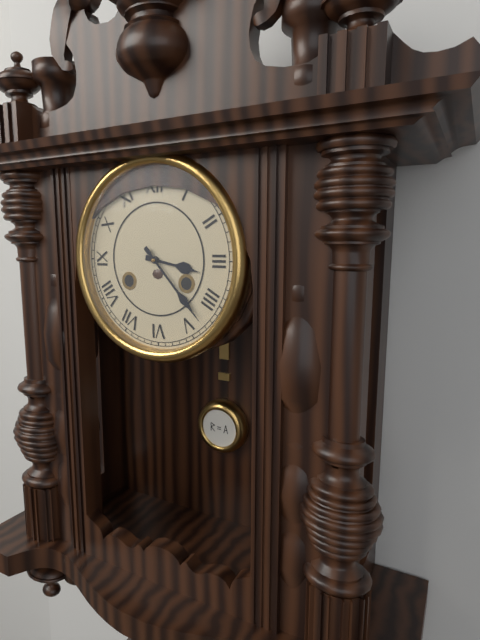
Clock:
3:23
